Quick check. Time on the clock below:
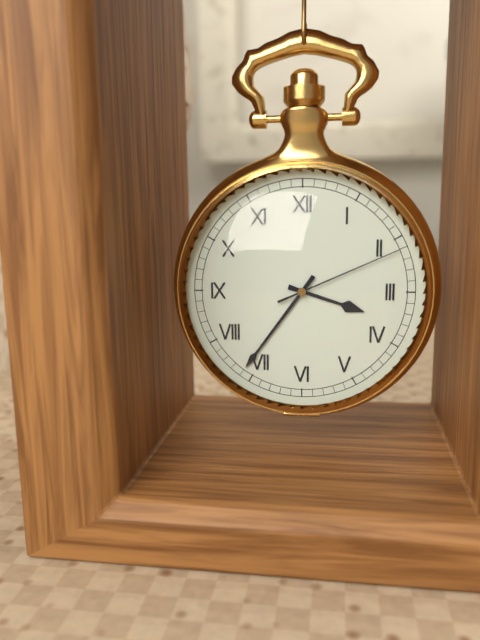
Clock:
3:36:11
